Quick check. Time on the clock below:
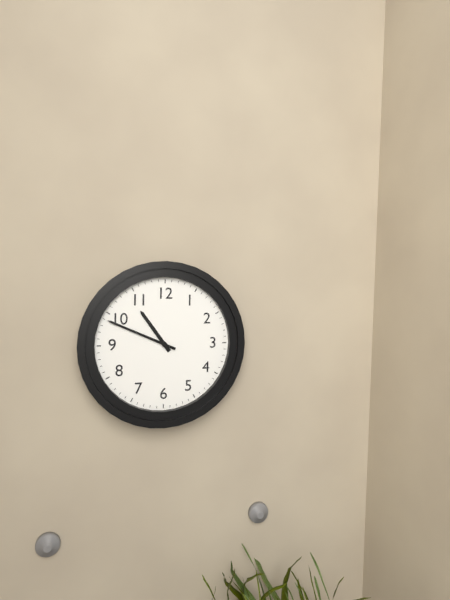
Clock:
10:49
